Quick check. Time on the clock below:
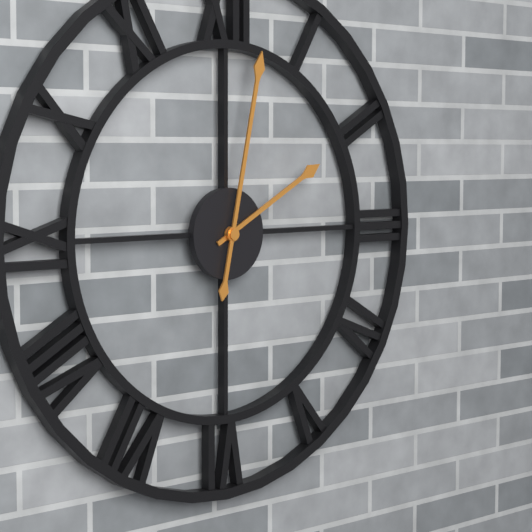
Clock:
2:02
